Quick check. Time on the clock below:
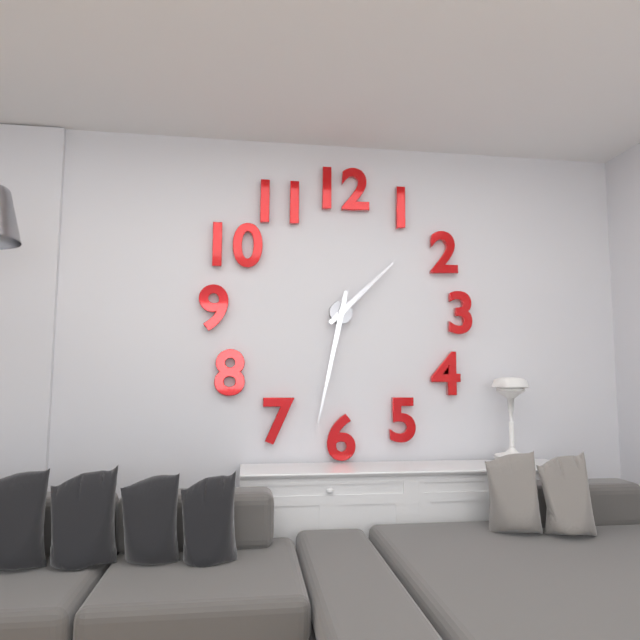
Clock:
1:32
